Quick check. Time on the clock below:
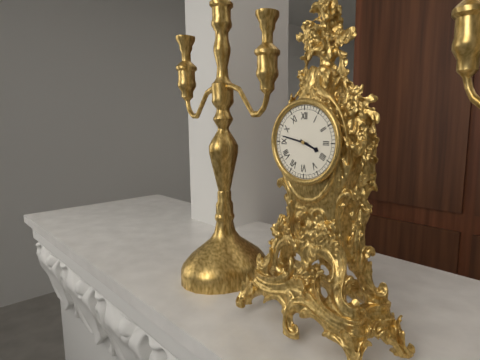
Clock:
3:47
